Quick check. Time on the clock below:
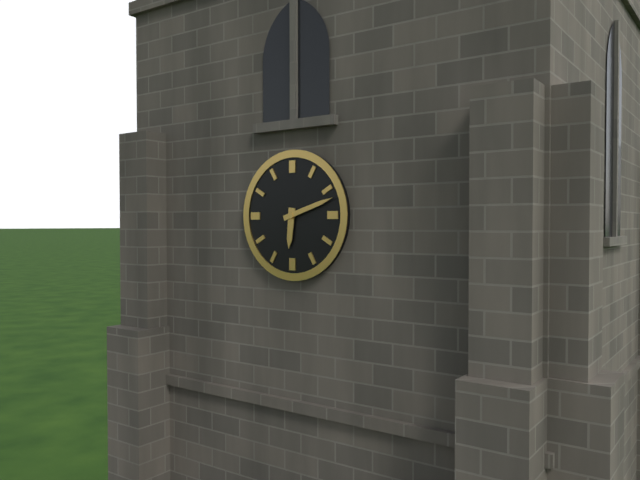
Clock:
6:12
